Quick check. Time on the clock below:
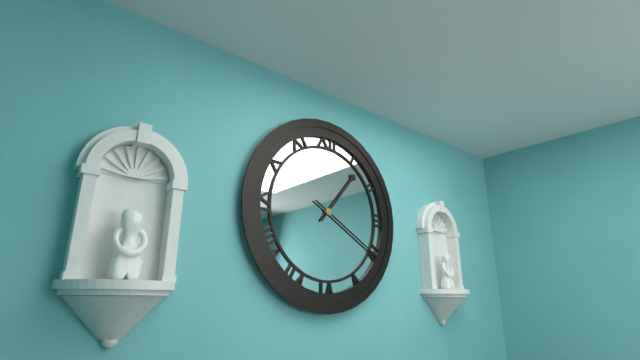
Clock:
1:20
